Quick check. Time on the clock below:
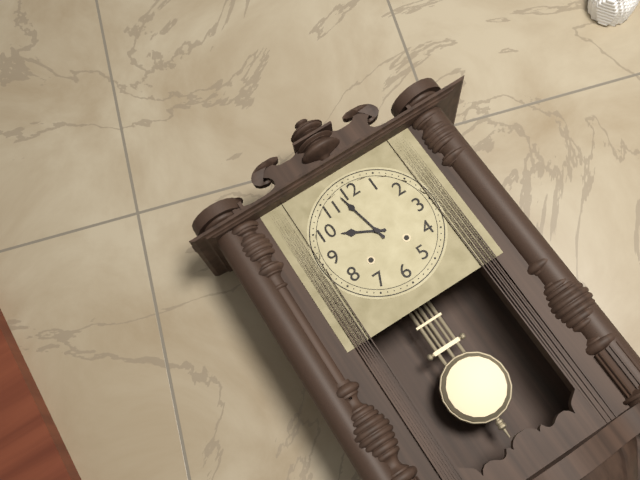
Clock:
9:58
